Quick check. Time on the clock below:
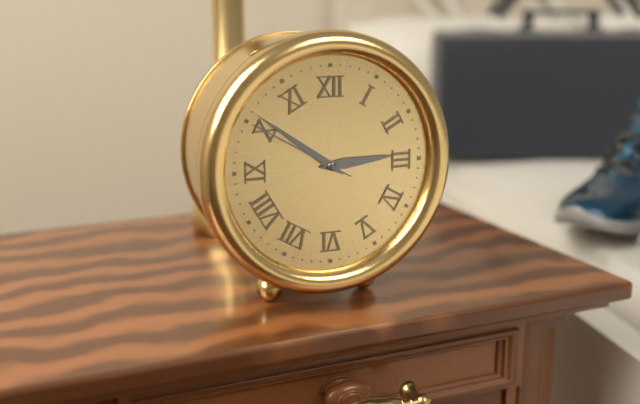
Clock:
2:51:50
